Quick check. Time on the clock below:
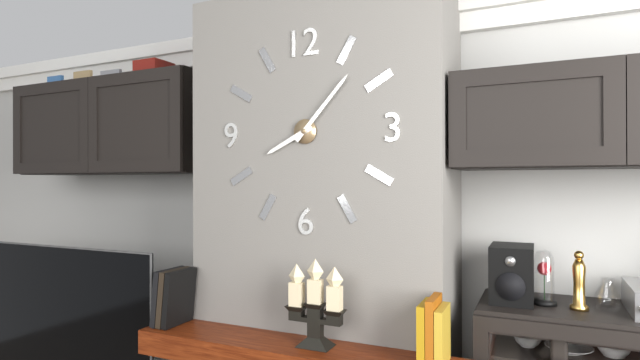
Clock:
8:07
